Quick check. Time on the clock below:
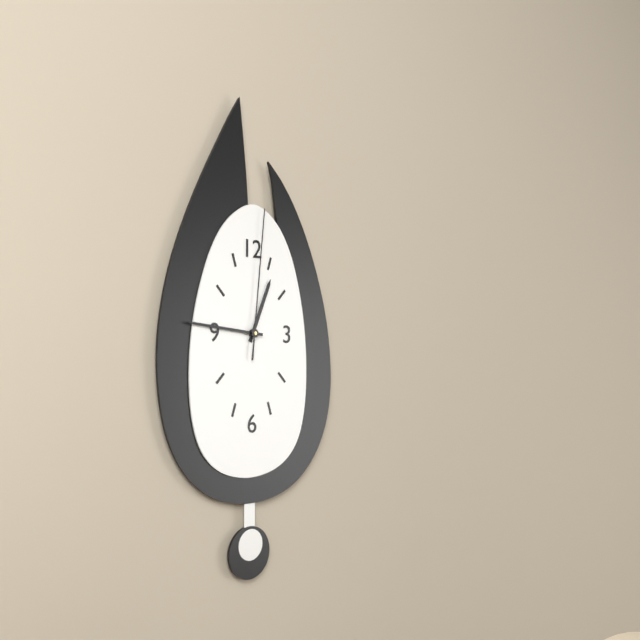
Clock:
12:46:01
